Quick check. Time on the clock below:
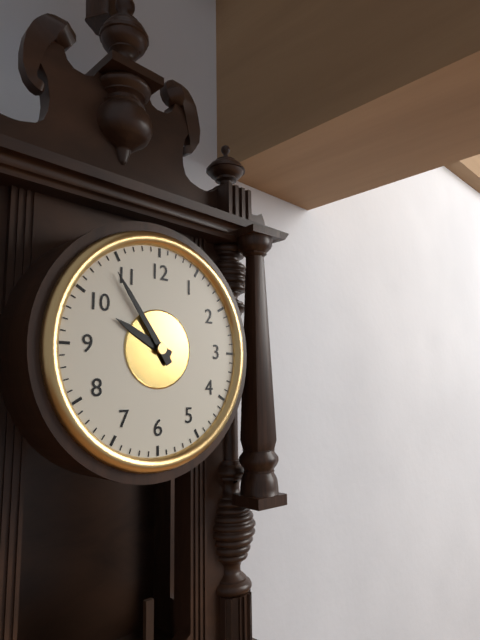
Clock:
9:54
